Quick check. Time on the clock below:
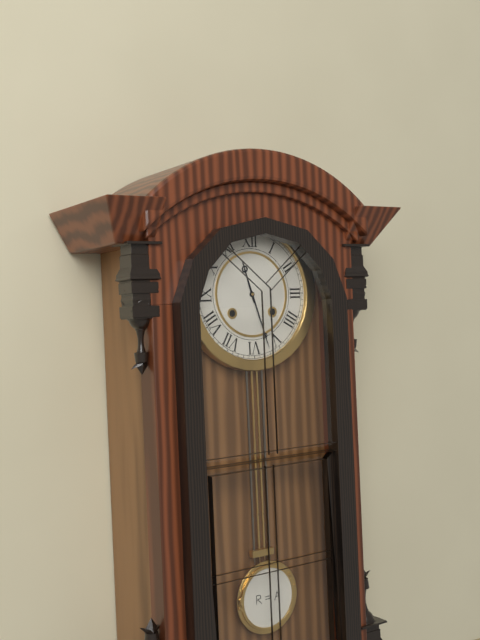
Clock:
11:27
